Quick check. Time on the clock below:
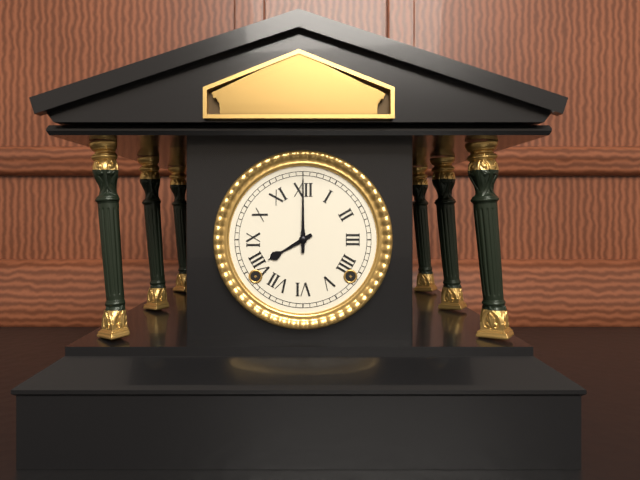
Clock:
8:00
